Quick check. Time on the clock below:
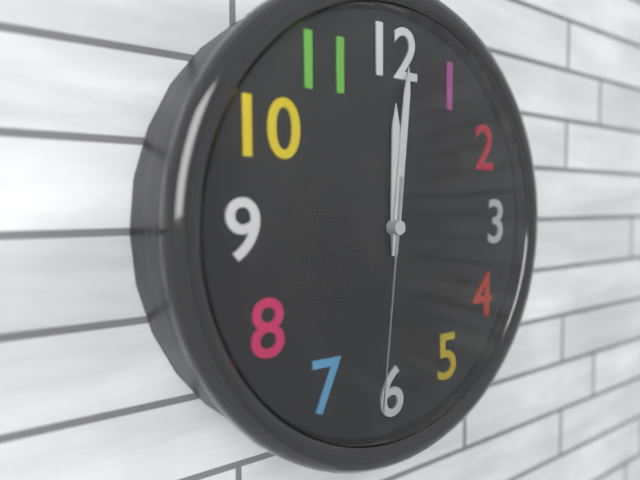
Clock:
12:01:31
